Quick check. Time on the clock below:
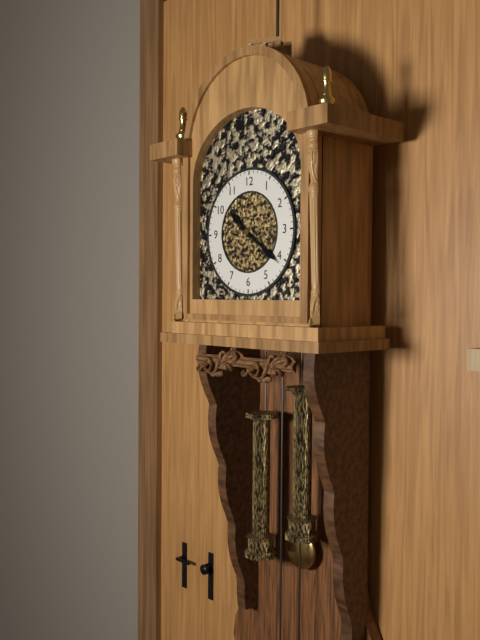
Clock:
10:21
